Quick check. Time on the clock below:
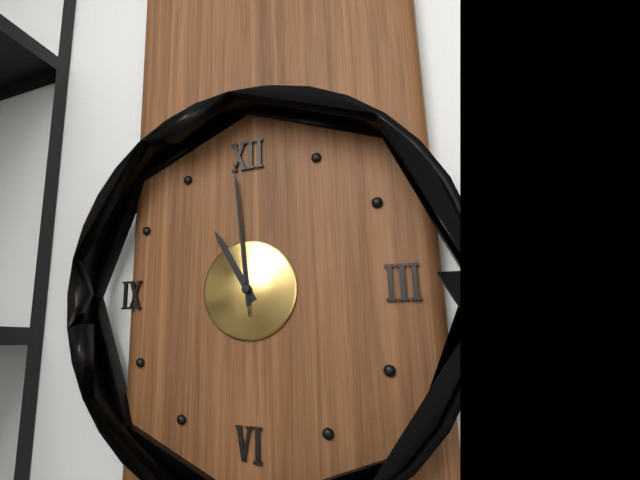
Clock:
10:59:59
